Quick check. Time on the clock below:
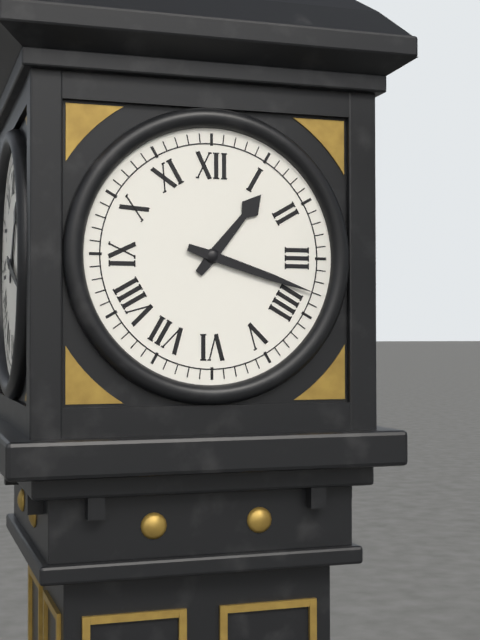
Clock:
1:18
